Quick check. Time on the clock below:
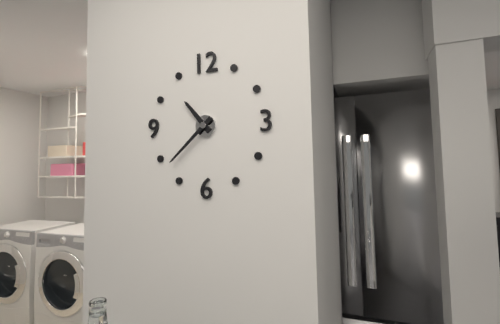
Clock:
10:38
